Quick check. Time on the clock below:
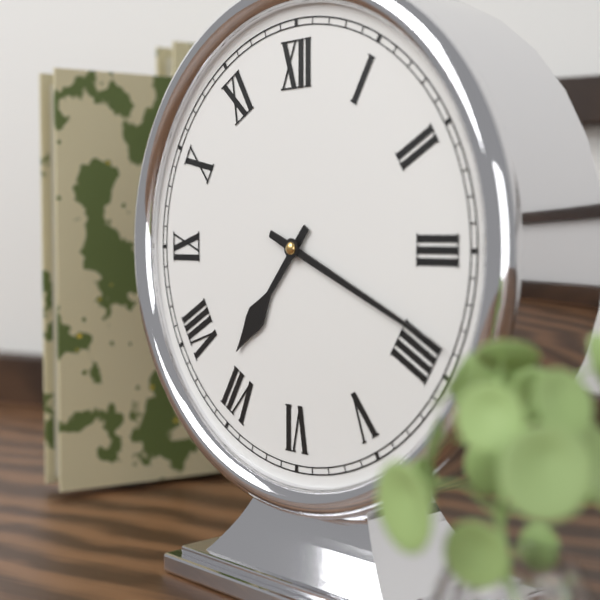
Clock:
7:19
